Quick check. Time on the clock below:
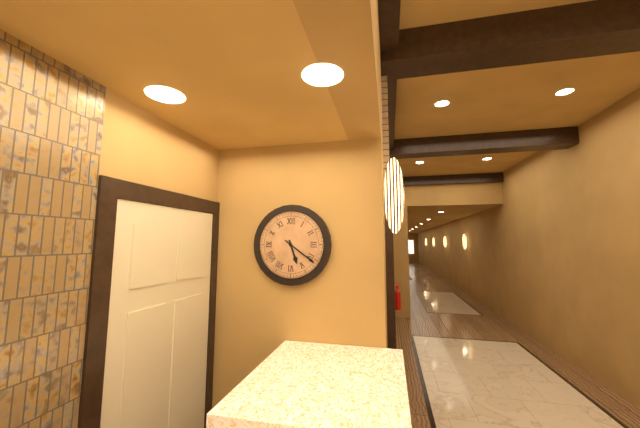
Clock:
5:21
